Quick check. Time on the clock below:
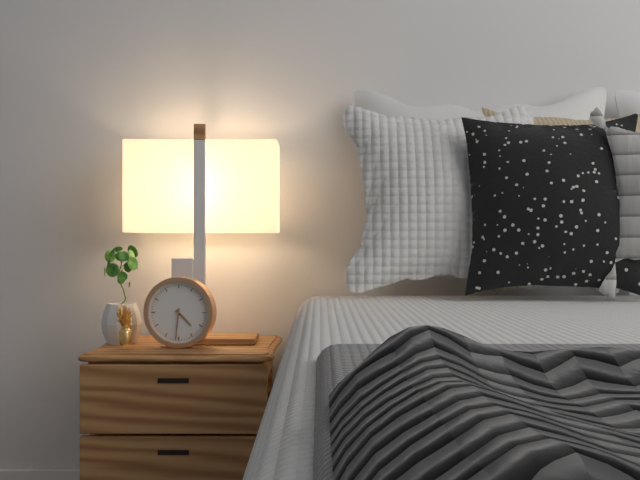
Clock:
4:31
